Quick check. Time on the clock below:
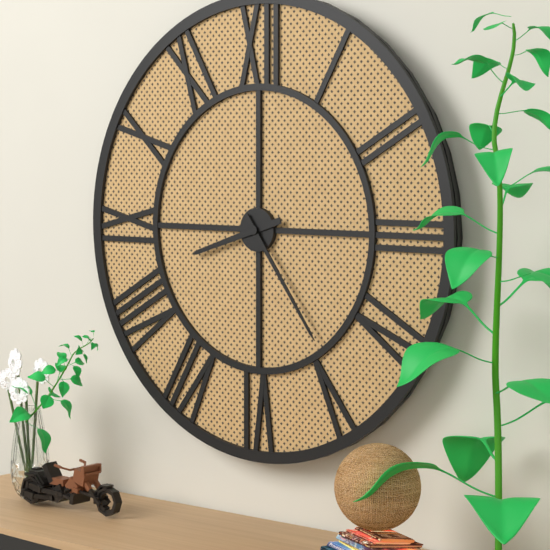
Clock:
8:24
